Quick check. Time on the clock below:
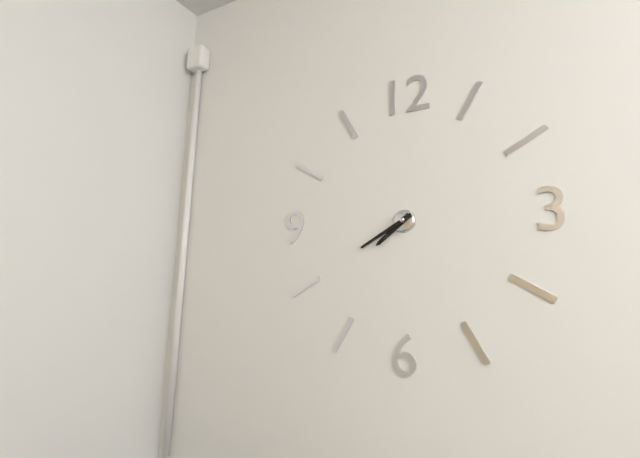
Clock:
7:40
